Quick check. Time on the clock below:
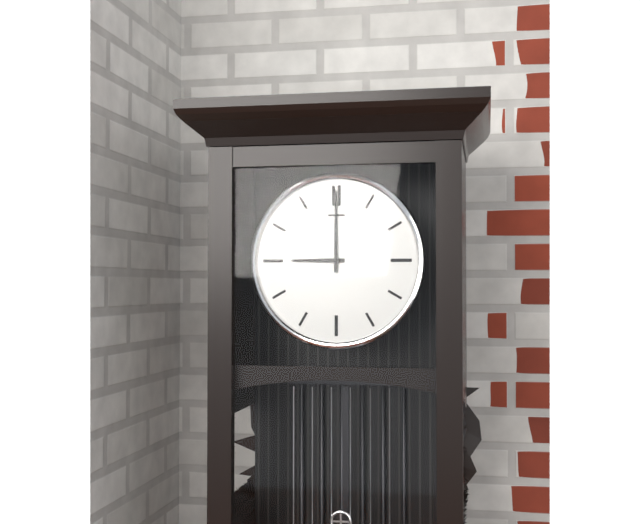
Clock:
9:00
